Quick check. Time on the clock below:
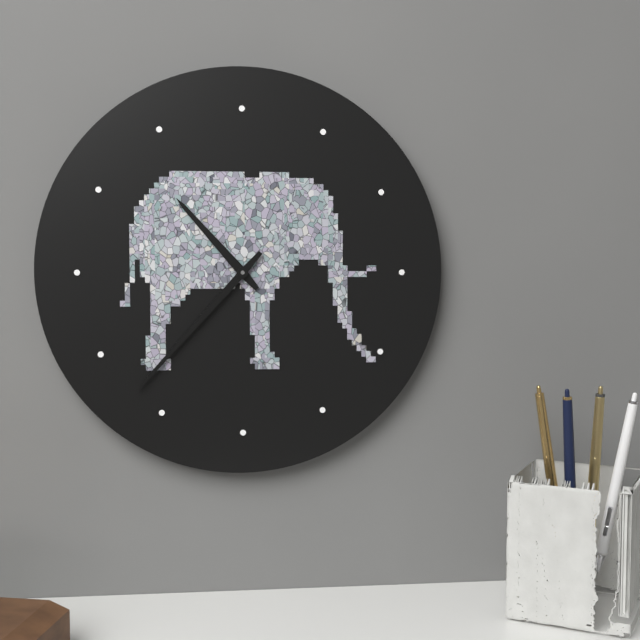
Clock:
10:37
